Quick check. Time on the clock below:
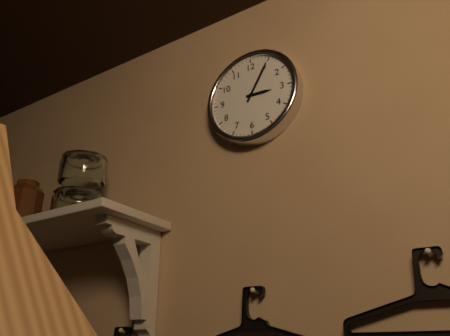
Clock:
3:05
